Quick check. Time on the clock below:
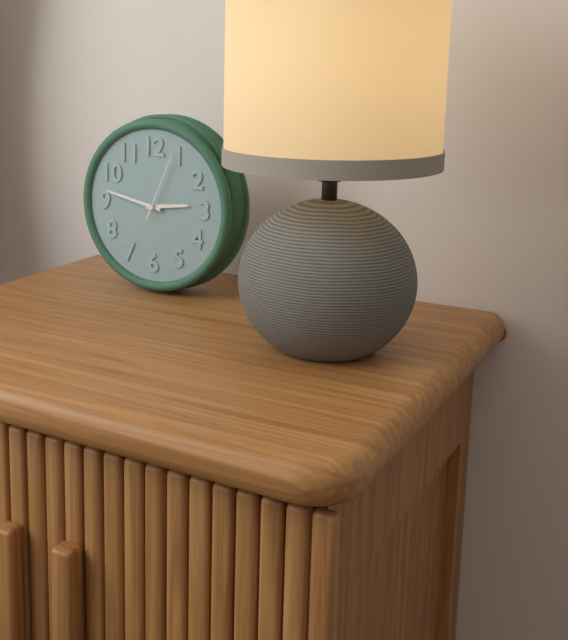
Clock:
2:47:04
